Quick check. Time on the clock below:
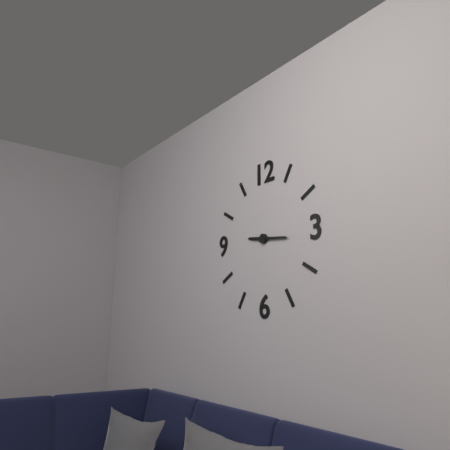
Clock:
9:16
